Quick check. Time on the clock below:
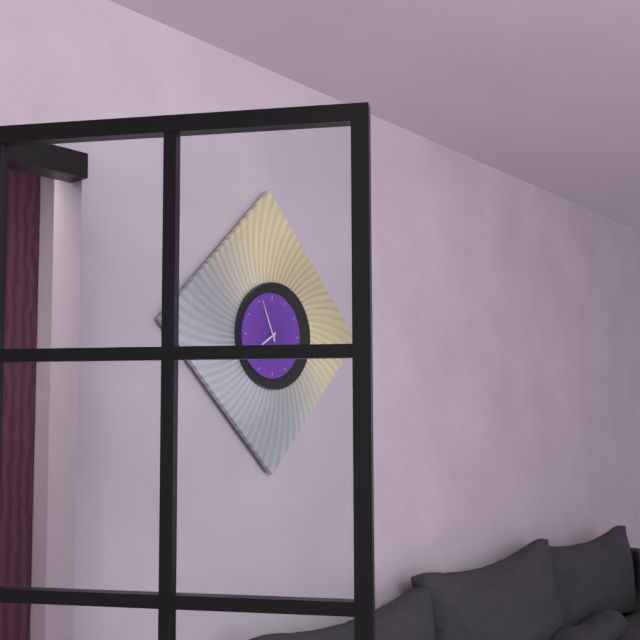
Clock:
7:56
